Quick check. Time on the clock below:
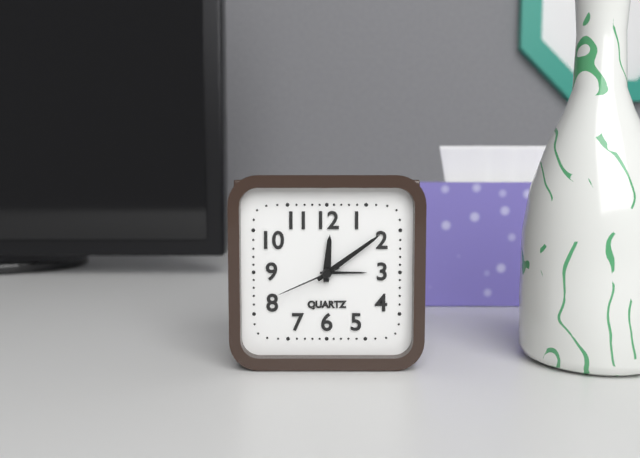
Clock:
12:09:41
